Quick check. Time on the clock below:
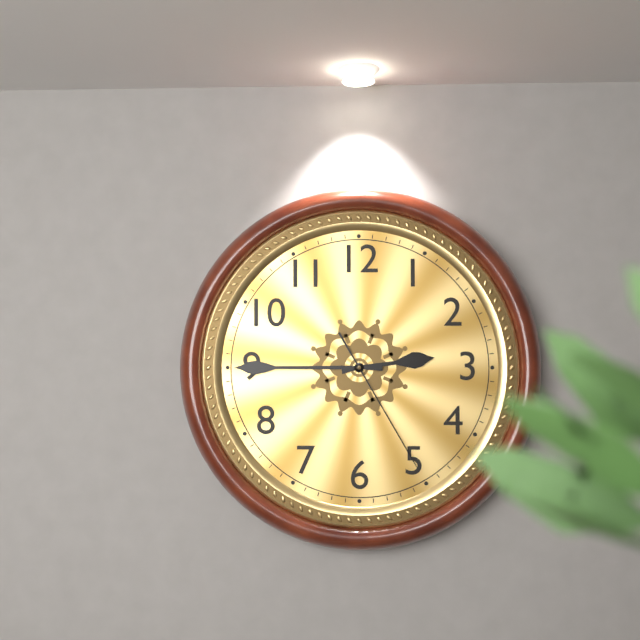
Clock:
2:45:25
